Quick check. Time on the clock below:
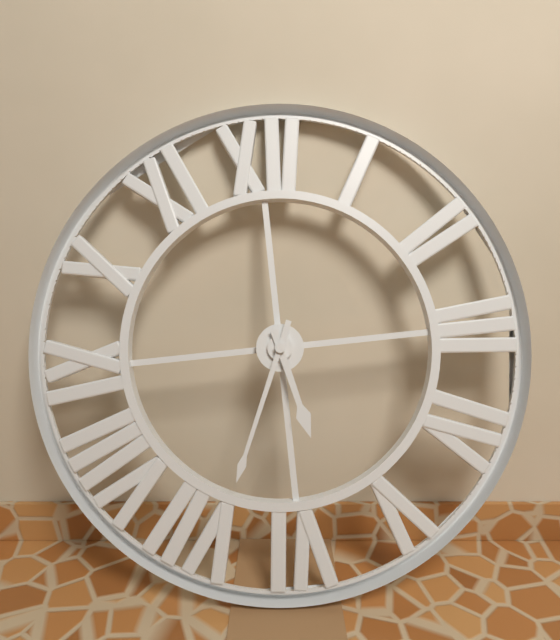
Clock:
5:34
